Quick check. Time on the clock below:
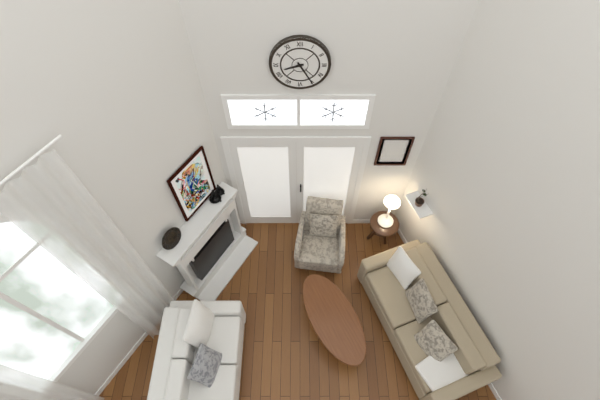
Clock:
8:25
